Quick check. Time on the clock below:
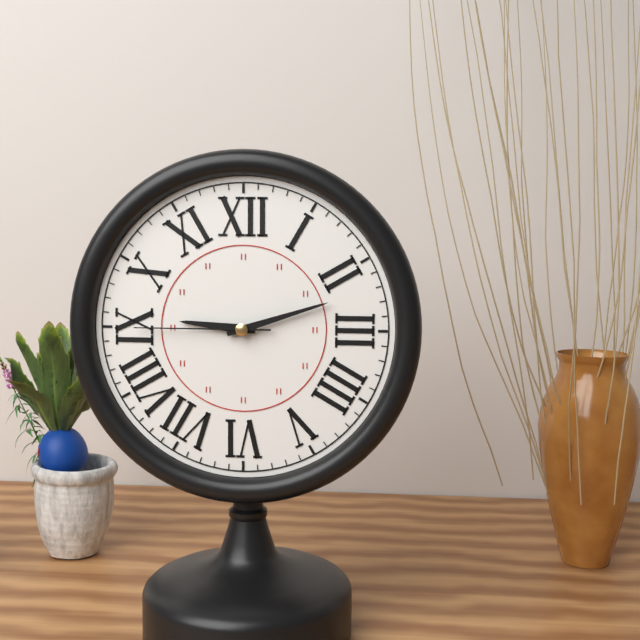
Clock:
9:12:45
